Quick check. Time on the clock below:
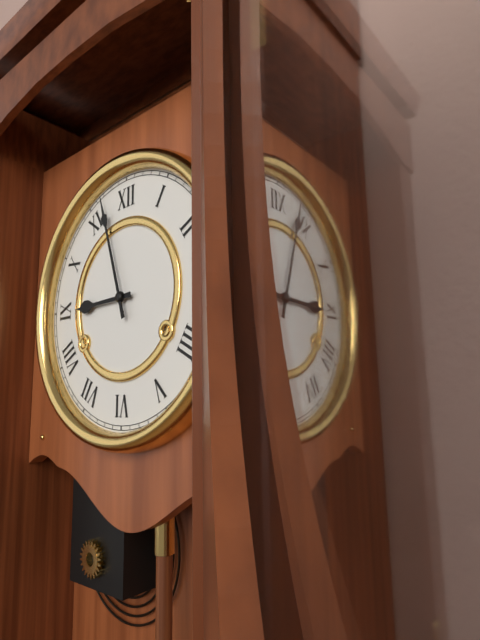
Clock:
8:57
